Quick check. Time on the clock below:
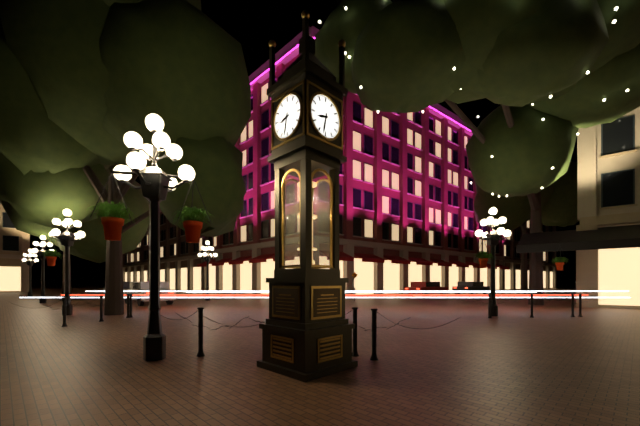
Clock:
8:32
